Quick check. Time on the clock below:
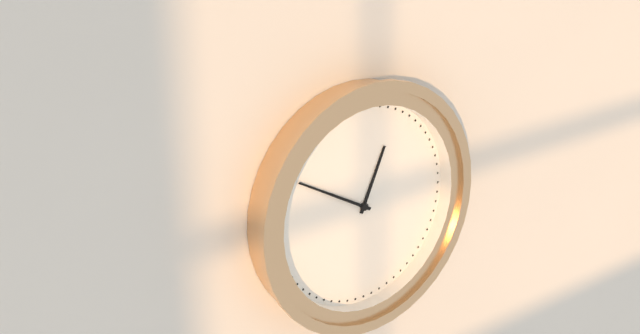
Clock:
12:50
